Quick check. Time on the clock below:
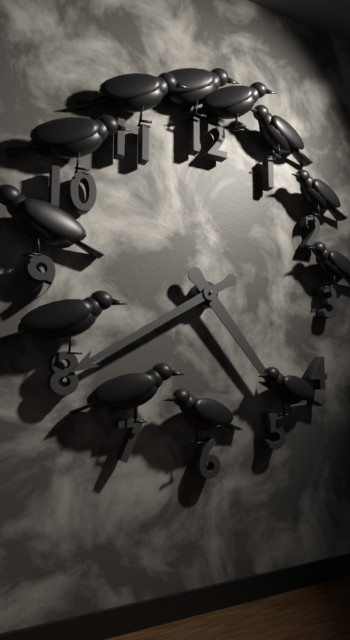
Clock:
4:40
